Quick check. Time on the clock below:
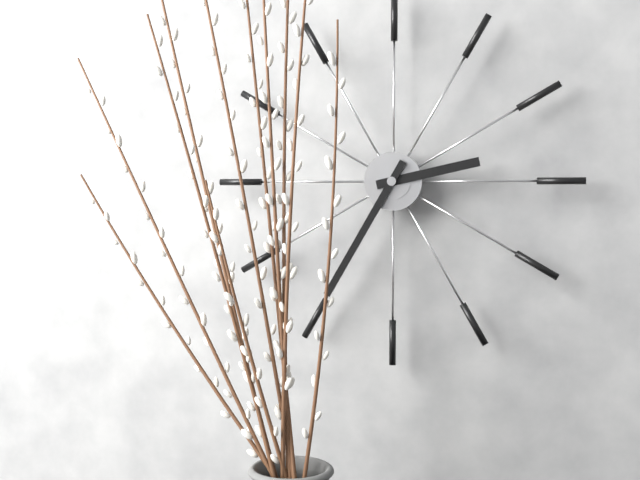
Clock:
2:35
